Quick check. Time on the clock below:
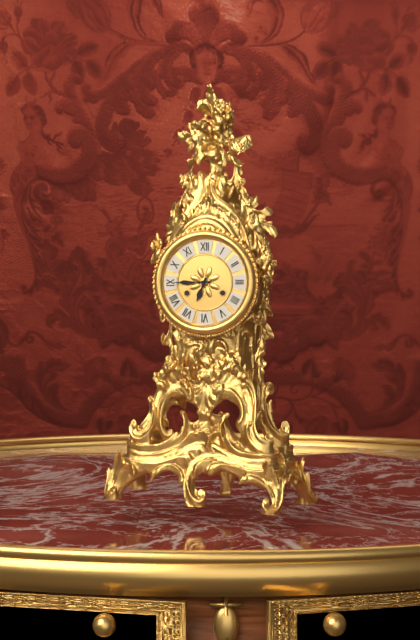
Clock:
6:45
